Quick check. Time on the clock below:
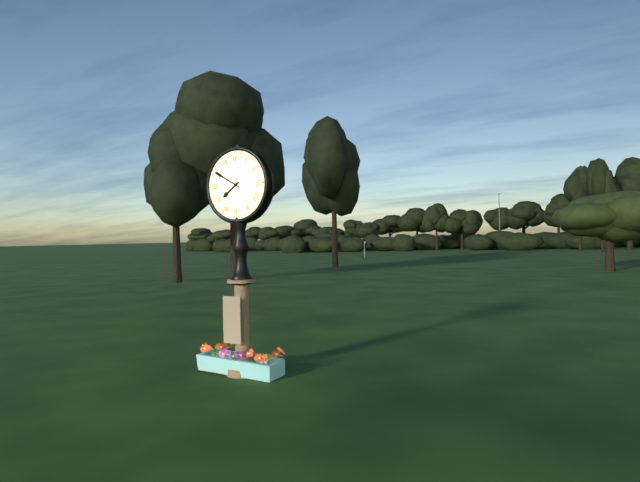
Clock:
7:50
